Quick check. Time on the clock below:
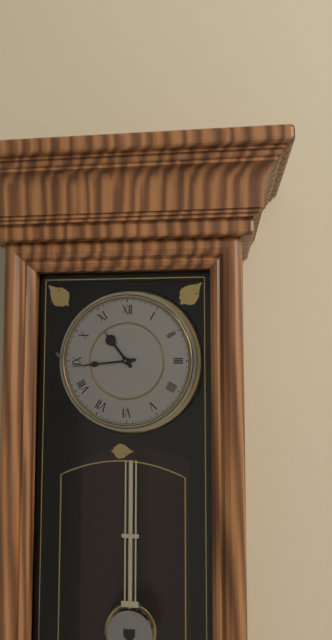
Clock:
10:44
